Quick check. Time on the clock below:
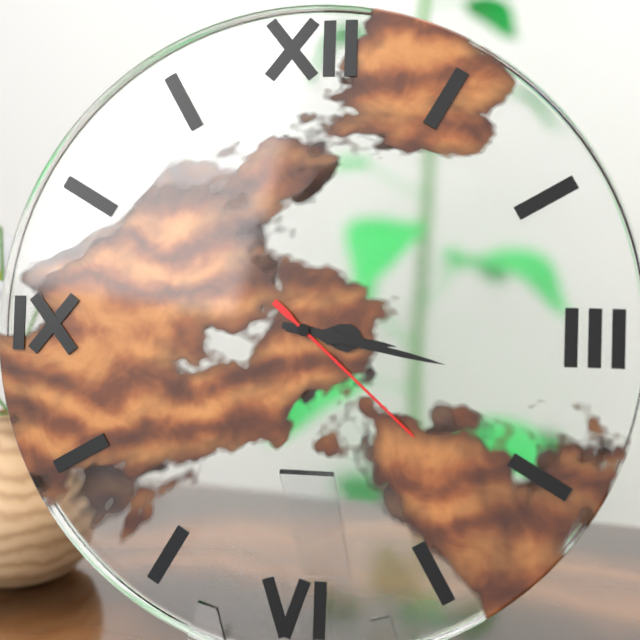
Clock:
3:17:22
